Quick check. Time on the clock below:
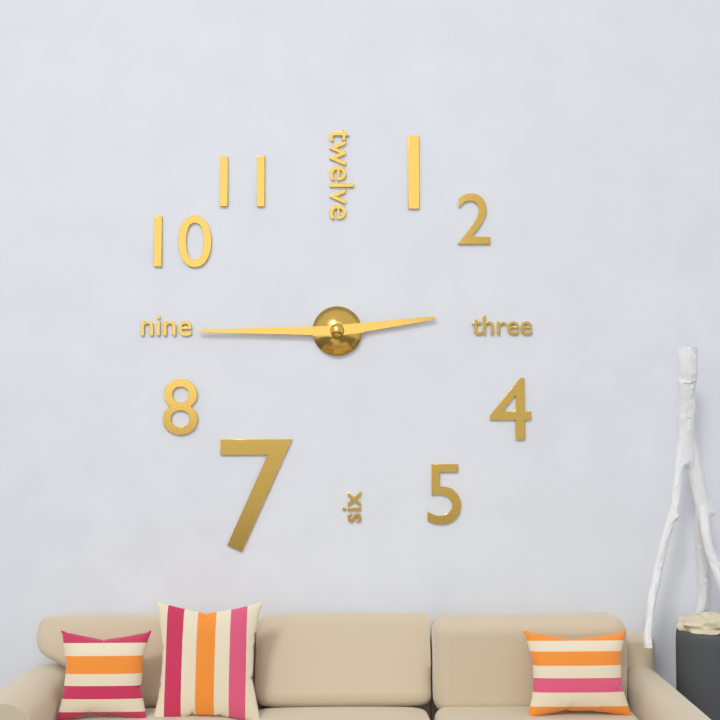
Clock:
2:45
